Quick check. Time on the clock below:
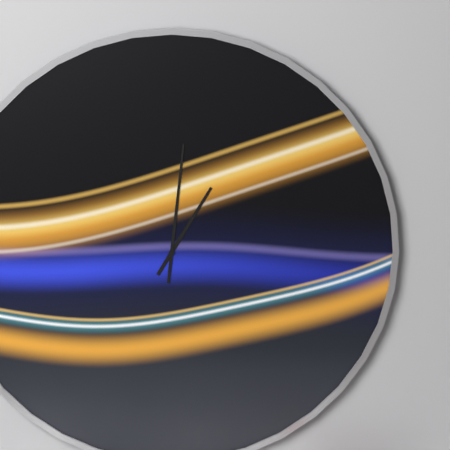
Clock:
1:01
